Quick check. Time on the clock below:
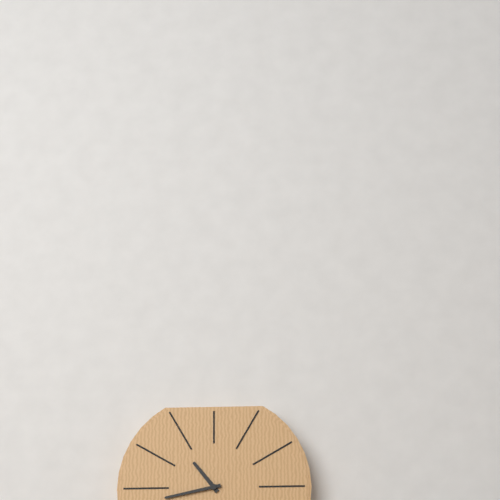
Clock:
10:43
